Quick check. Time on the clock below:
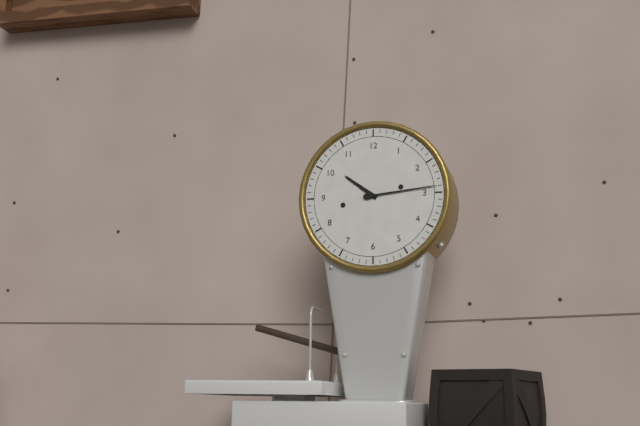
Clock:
10:14
